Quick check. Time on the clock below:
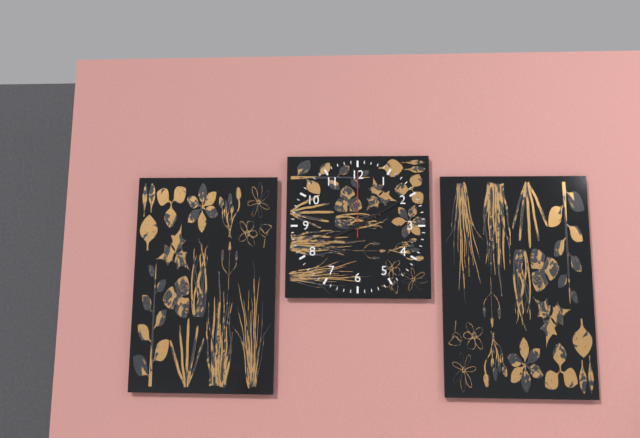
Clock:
8:10:00
